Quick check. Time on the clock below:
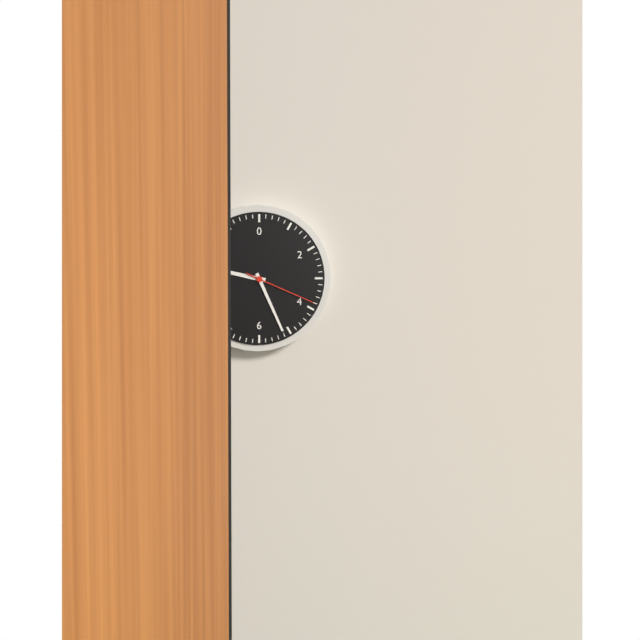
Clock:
9:26:19
